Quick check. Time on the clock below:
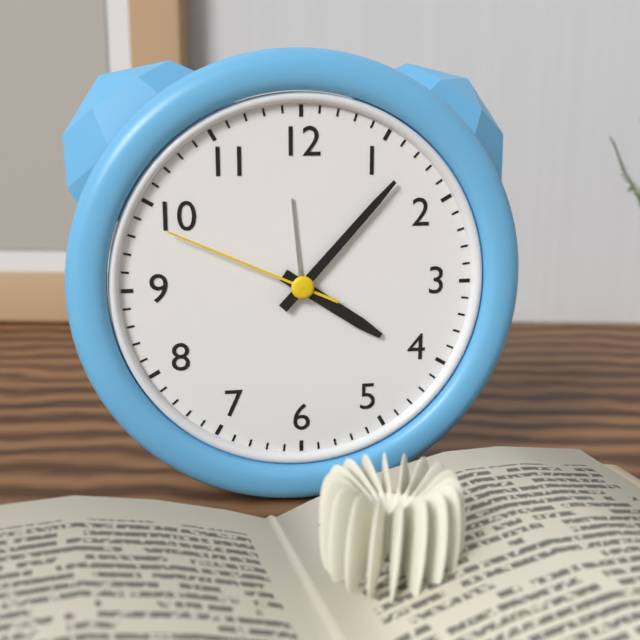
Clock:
4:07:49
